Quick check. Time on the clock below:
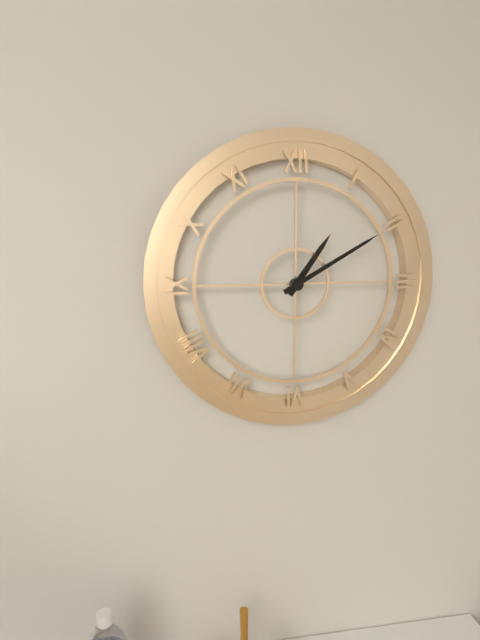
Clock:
1:10
